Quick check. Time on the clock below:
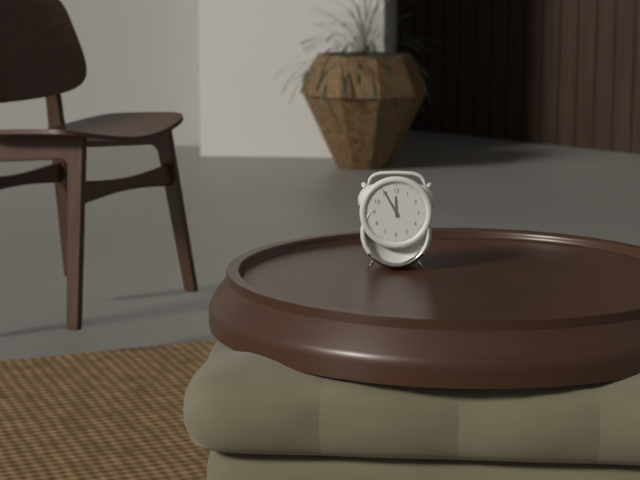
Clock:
11:55
